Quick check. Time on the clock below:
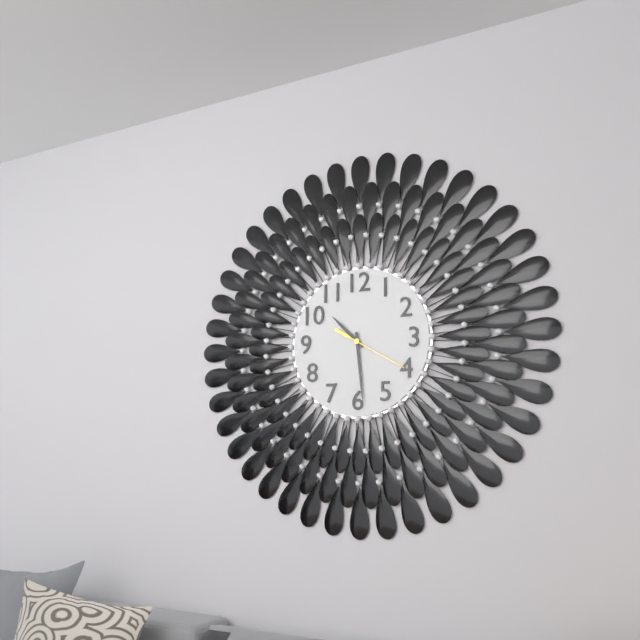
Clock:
10:29:20
